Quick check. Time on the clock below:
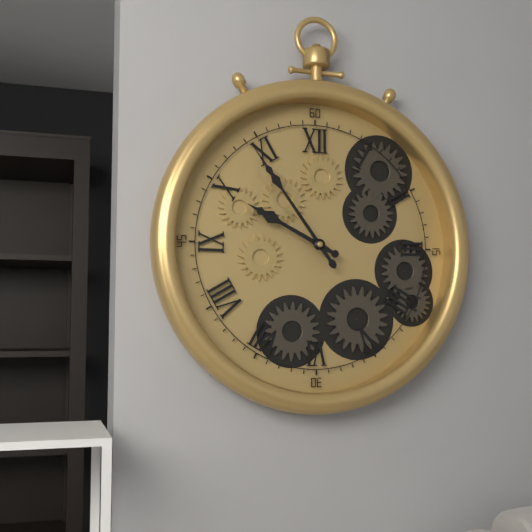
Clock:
9:54
